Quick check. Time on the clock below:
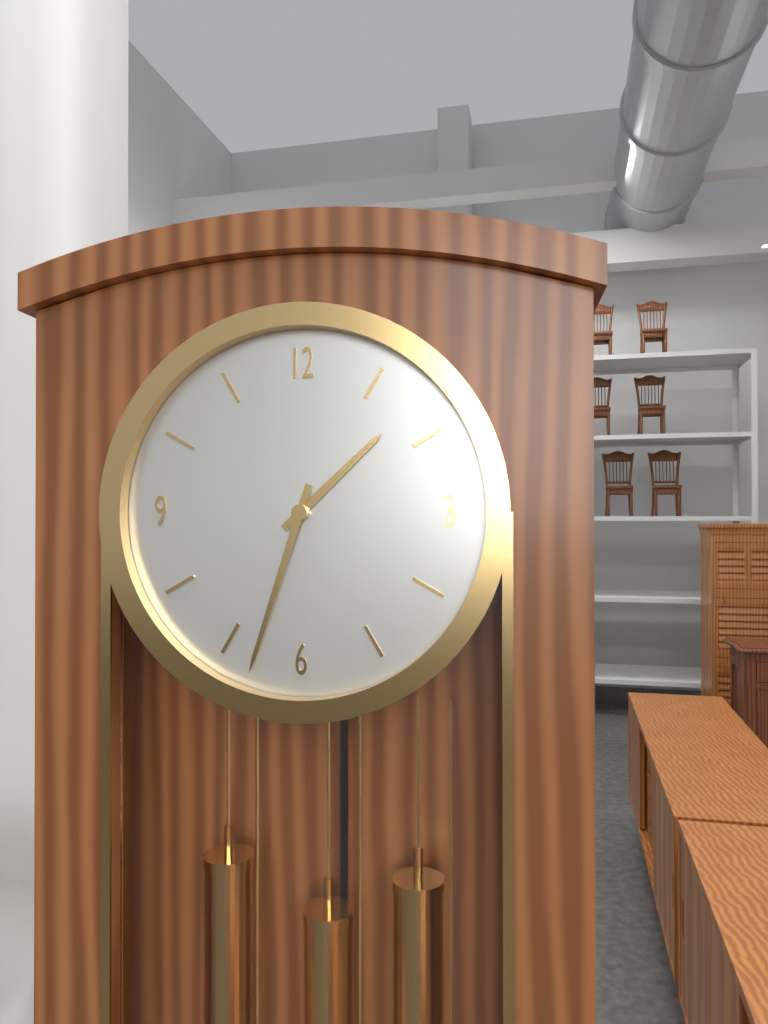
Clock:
1:33
